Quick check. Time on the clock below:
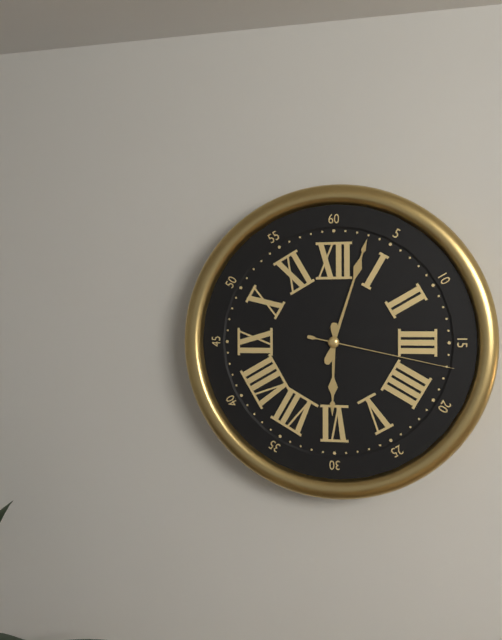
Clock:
6:03:17
